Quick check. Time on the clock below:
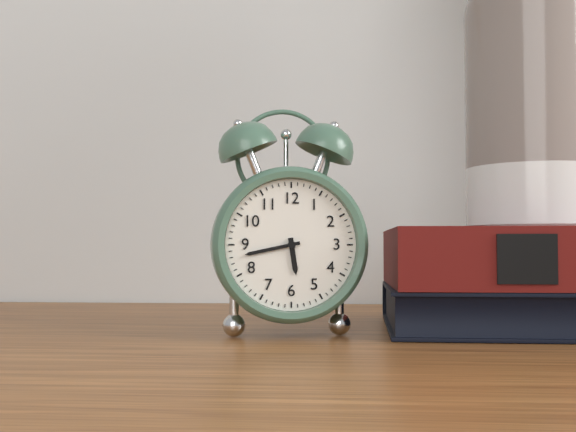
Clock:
5:43
